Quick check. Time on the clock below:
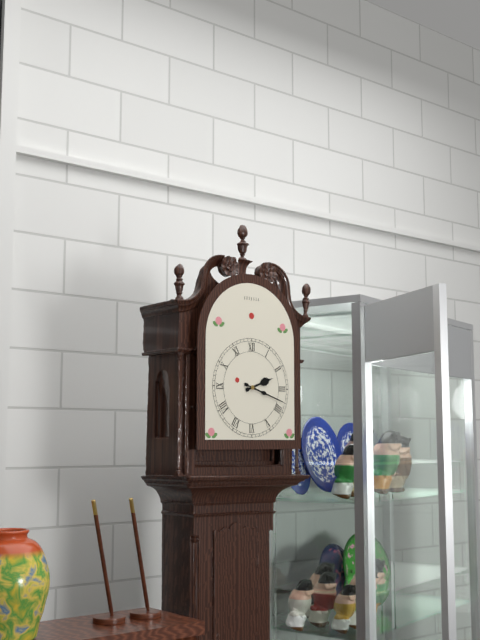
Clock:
2:18
